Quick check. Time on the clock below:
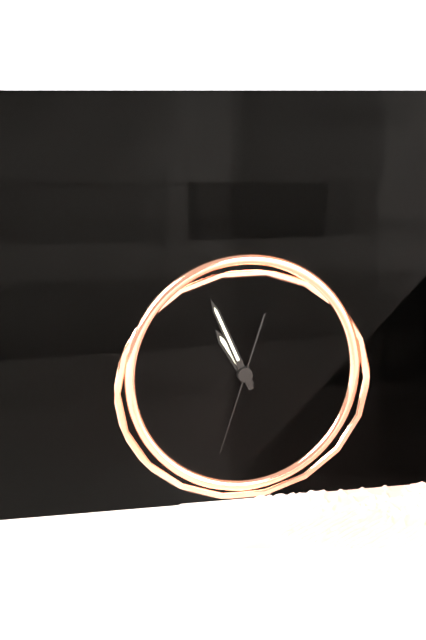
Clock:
10:56:33
